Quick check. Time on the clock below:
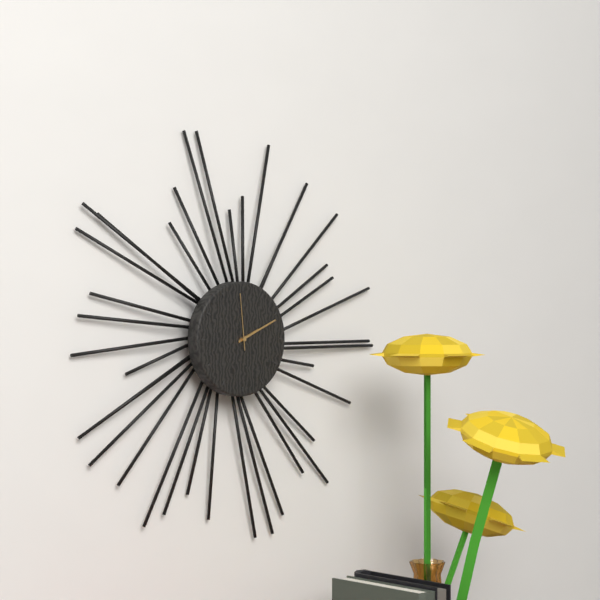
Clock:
2:11:59
